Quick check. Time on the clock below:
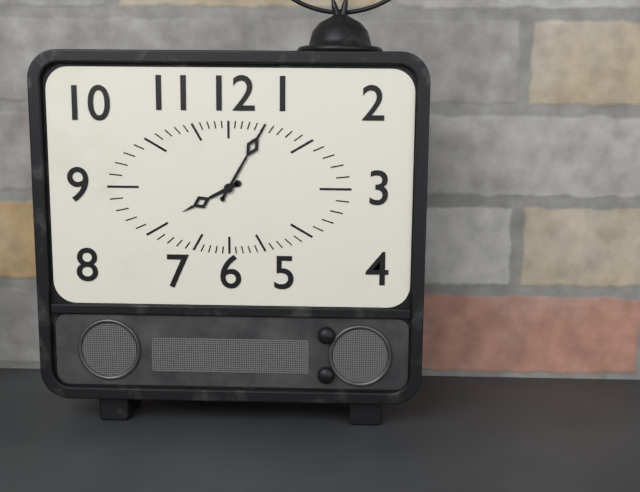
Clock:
8:05
